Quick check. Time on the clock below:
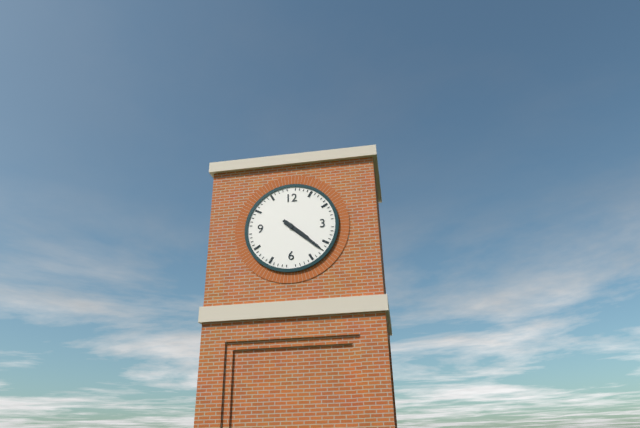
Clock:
4:22
